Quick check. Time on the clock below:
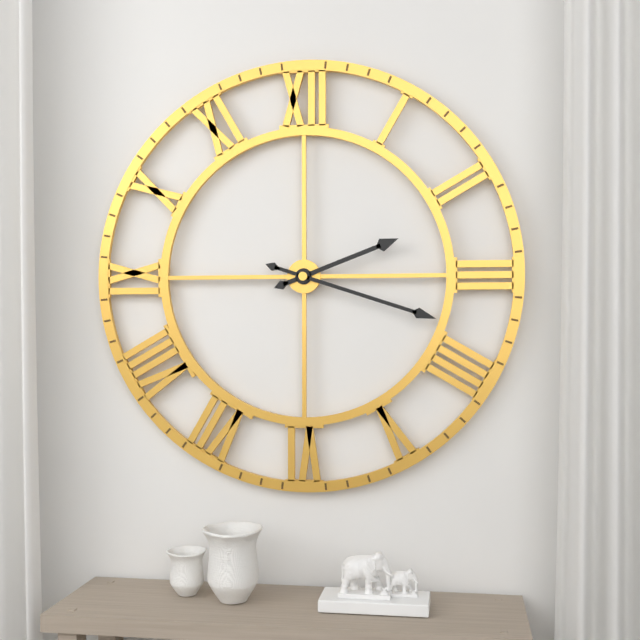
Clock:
2:18
